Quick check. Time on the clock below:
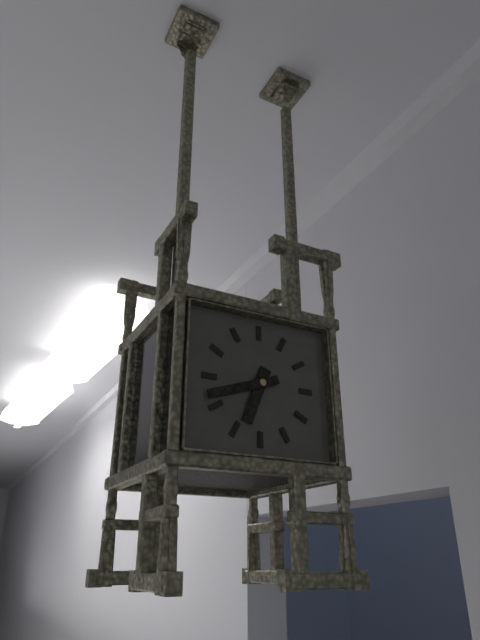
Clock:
6:42
